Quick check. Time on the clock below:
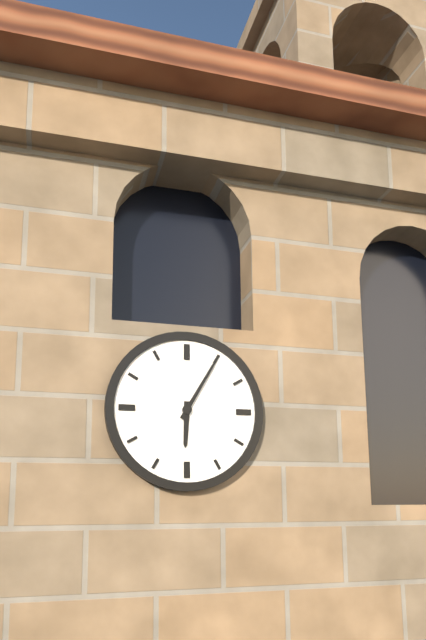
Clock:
6:05
